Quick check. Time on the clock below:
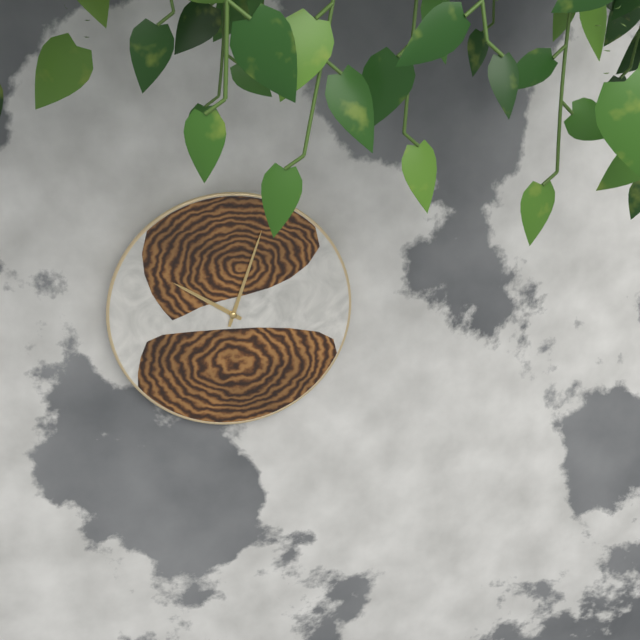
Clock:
10:03
